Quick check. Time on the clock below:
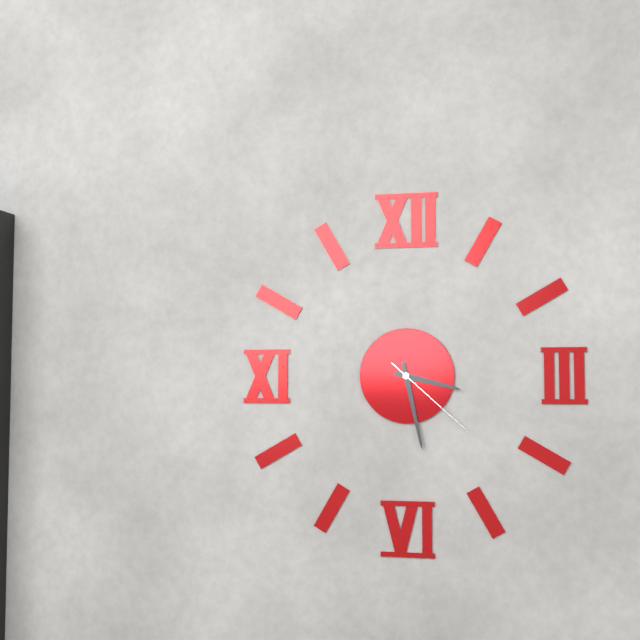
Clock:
3:28:22
